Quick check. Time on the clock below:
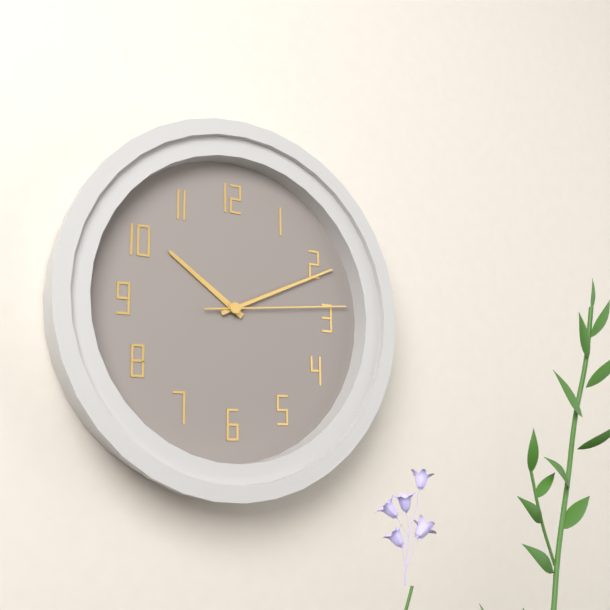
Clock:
10:11:14
